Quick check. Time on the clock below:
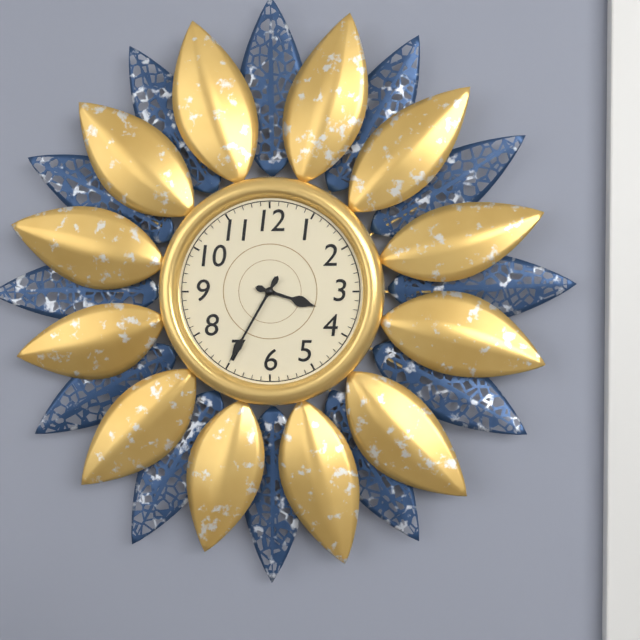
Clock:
3:35
